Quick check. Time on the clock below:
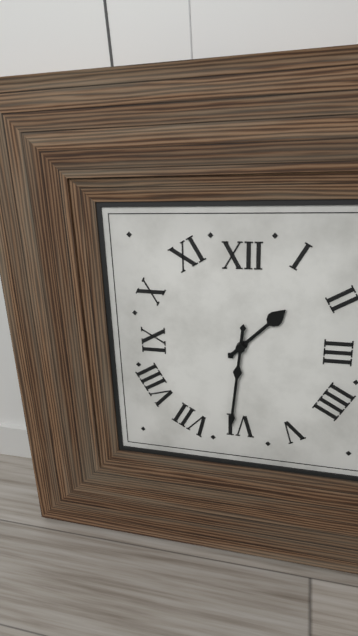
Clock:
1:31
